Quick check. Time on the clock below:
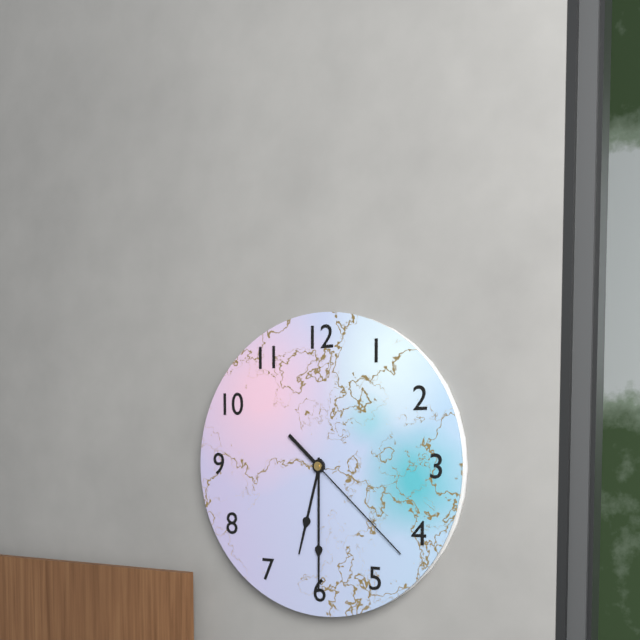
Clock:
6:30:22
